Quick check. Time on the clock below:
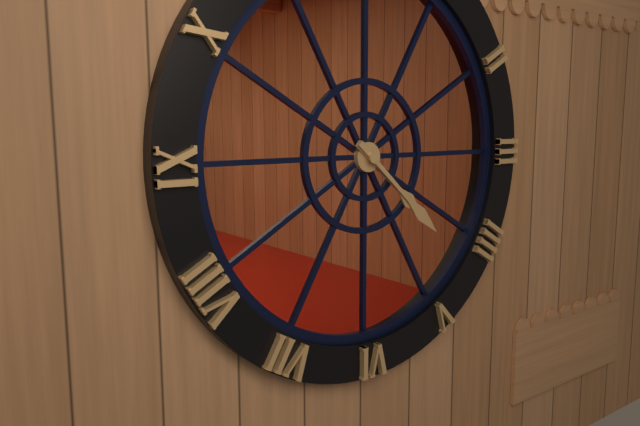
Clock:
4:22
